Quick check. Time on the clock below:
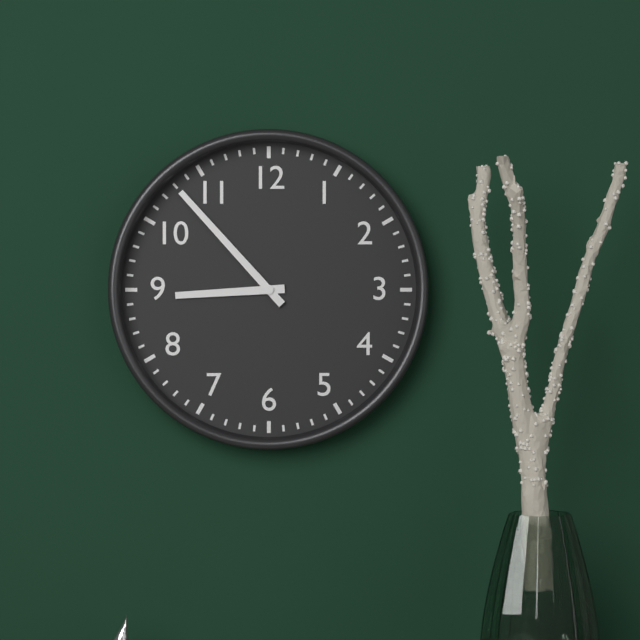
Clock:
8:53
